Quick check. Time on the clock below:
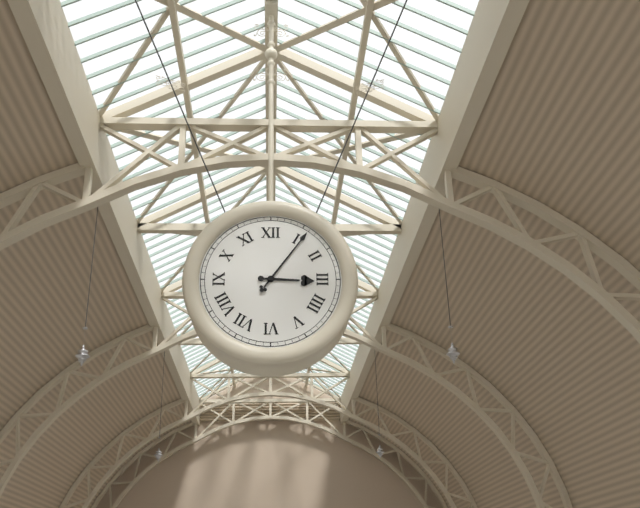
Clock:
3:06
